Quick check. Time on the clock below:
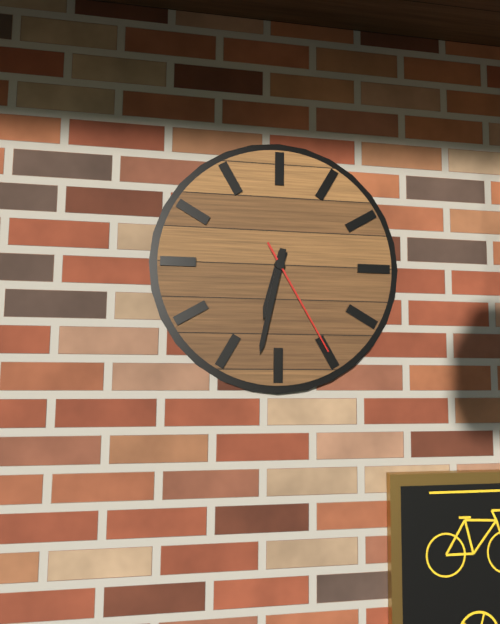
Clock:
6:32:25
